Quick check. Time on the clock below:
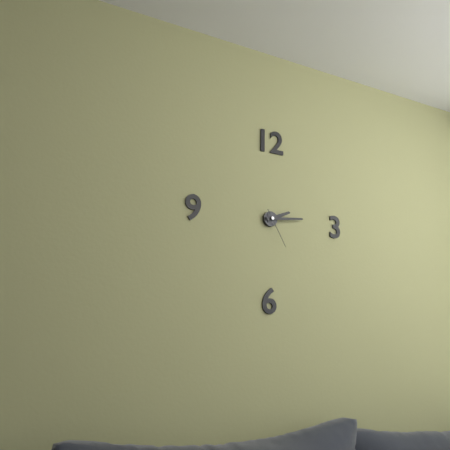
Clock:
2:14
